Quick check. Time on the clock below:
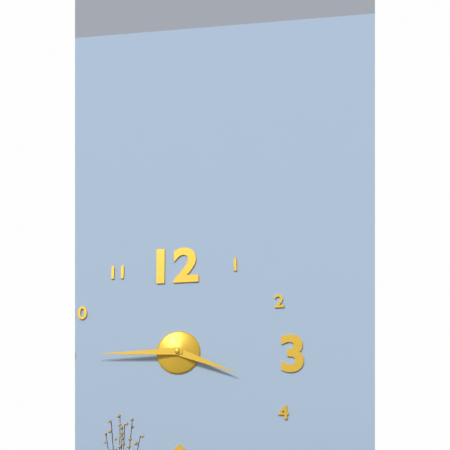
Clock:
3:45
